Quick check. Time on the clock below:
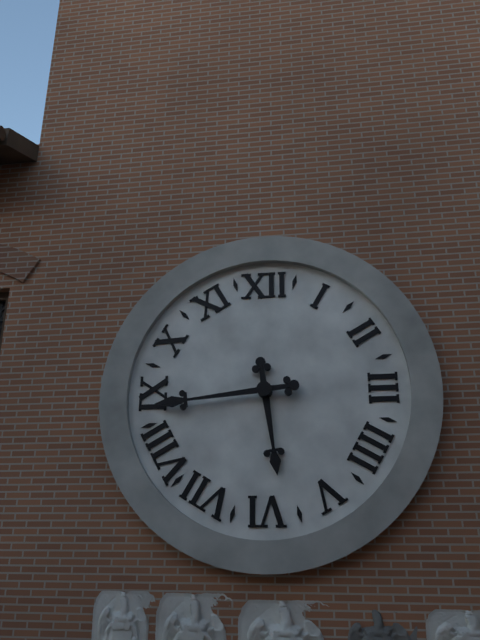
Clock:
5:44
